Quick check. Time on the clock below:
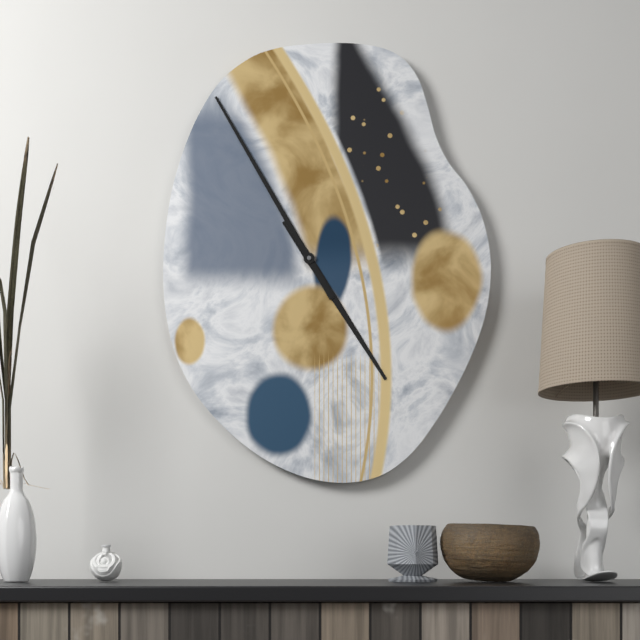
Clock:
4:55
